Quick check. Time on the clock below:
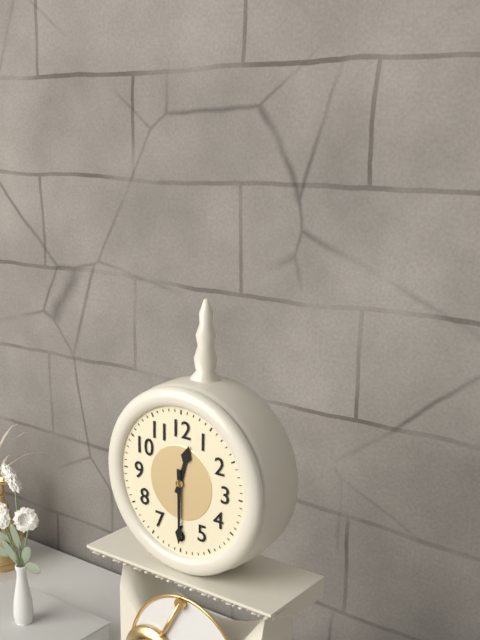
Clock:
12:30
